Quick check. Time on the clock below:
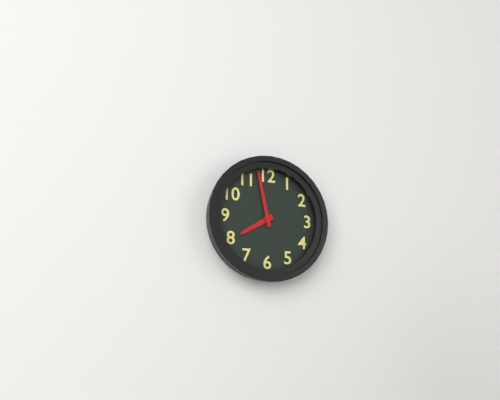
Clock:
7:58
